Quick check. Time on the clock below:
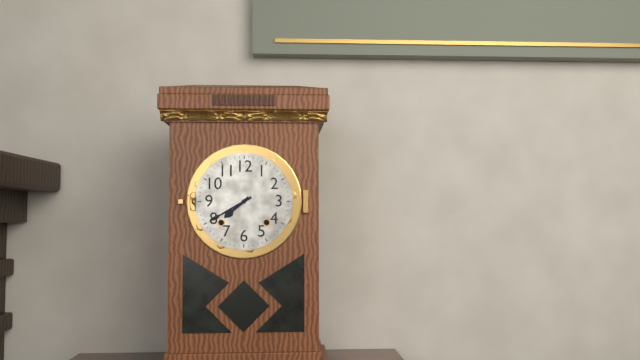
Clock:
7:40
